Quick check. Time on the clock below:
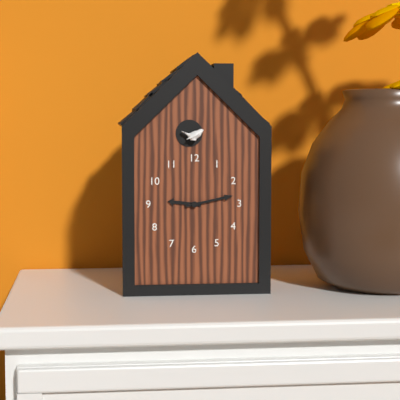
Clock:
9:13
